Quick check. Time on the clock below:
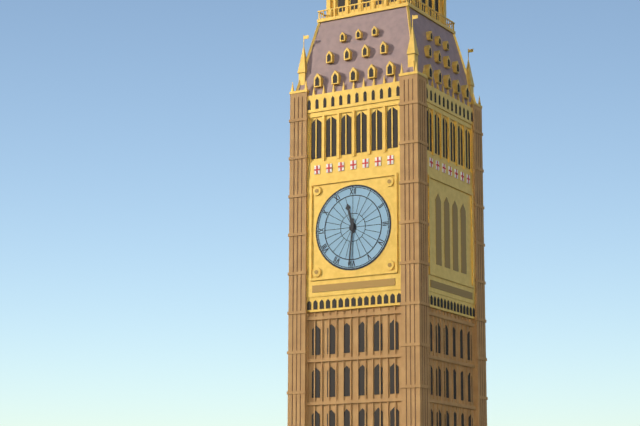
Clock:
11:31
